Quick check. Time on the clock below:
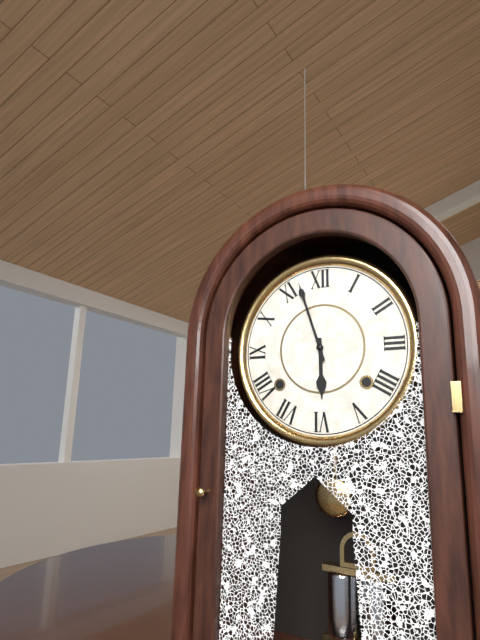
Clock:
5:57
